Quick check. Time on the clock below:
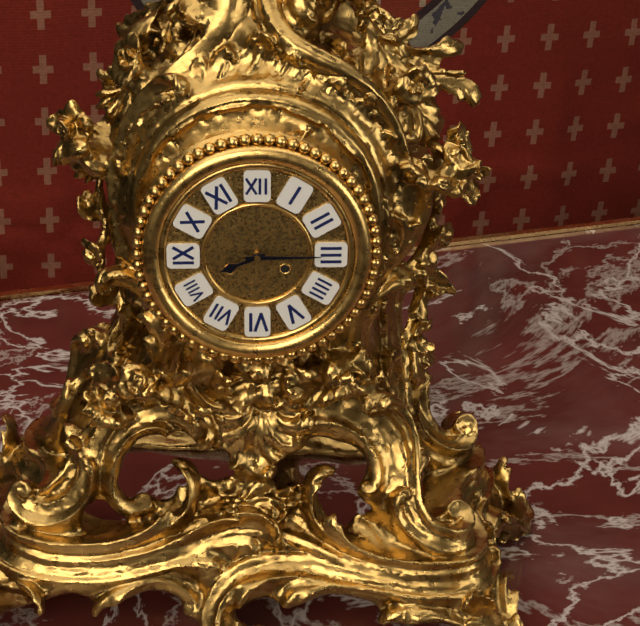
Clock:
8:15
